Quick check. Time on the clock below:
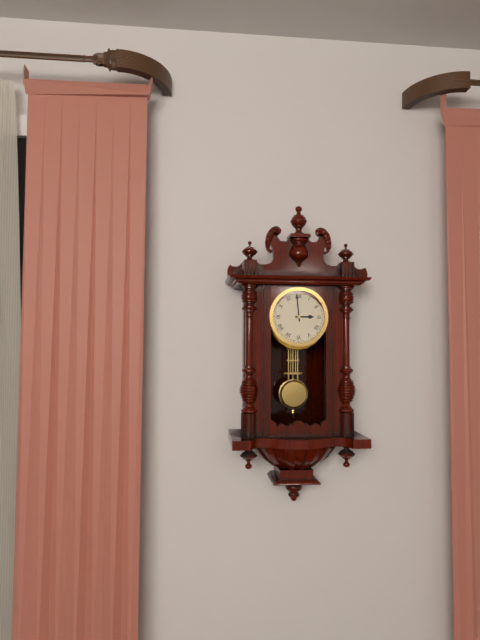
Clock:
2:59
